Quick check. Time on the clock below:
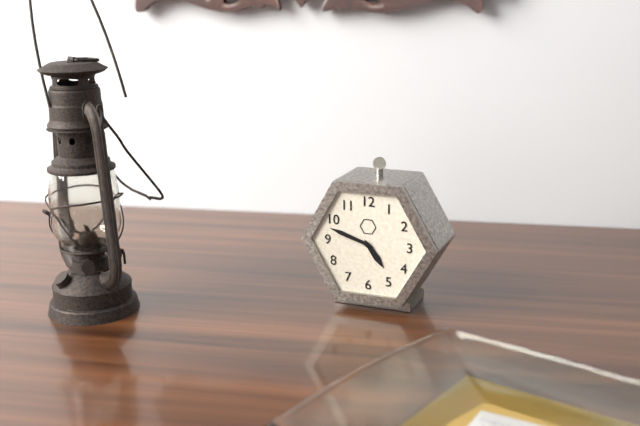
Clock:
4:48
